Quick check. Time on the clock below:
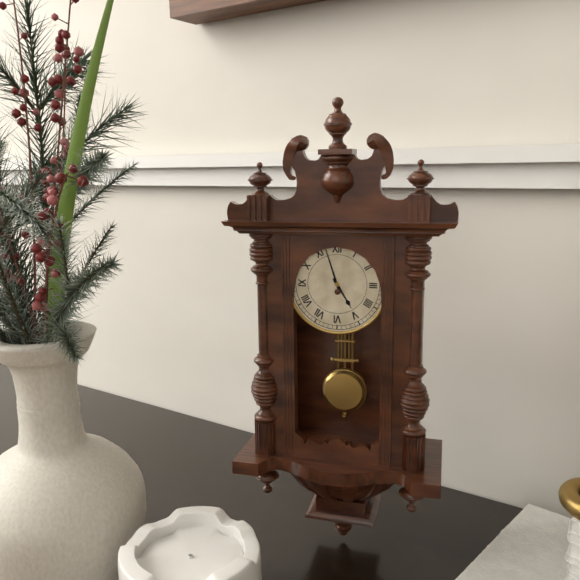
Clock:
4:57
